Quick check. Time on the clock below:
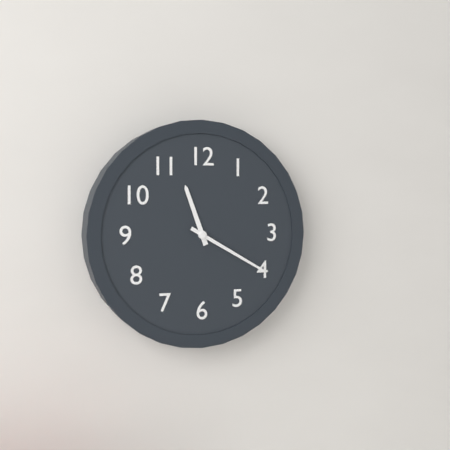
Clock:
11:20
